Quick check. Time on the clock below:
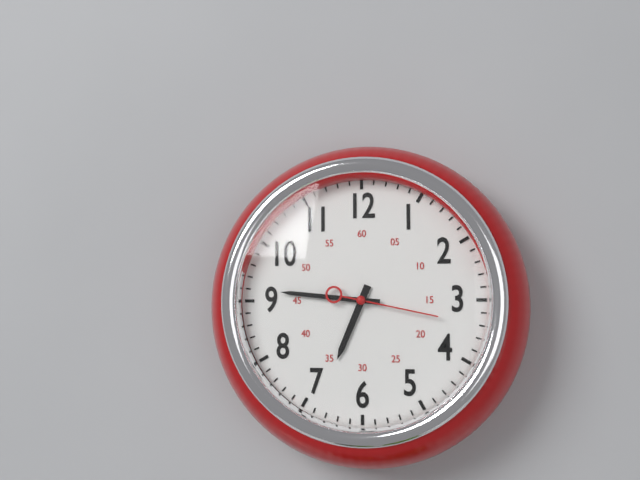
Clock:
6:46:17
